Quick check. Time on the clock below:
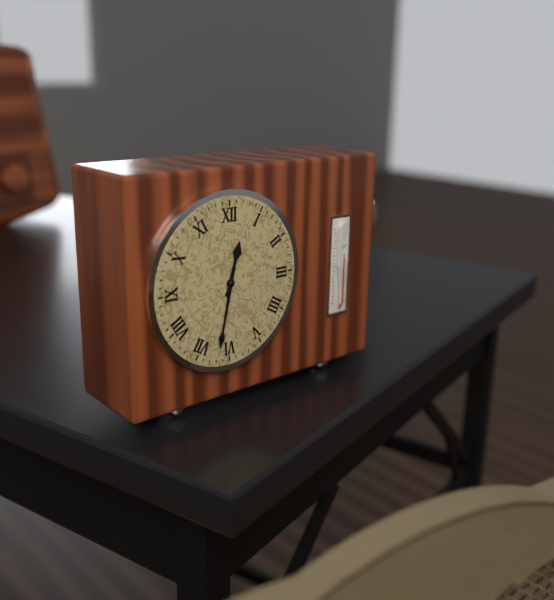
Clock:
12:32
